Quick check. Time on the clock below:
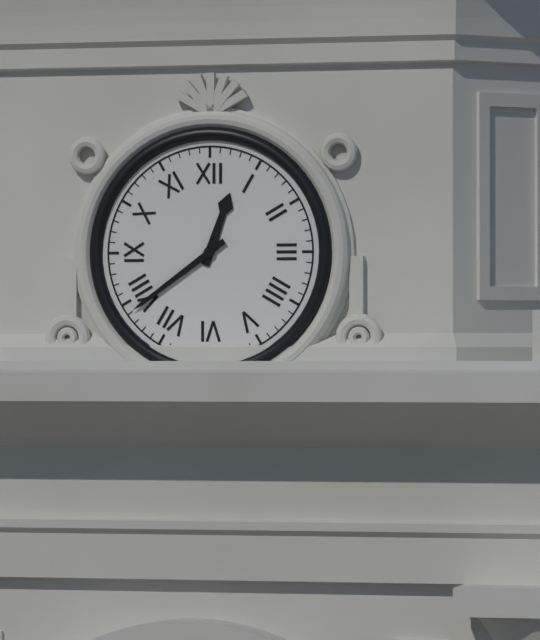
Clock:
12:39
